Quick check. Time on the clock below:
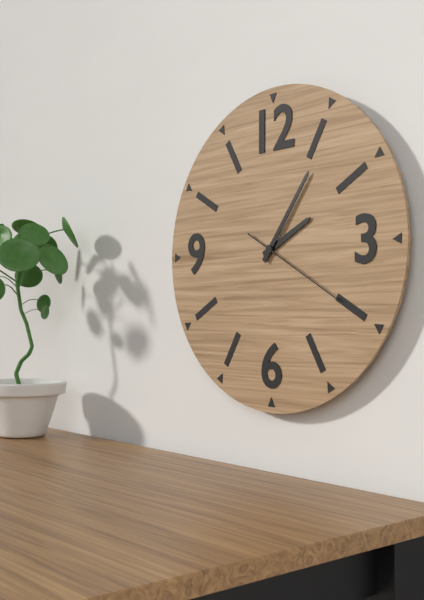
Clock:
2:06:20
